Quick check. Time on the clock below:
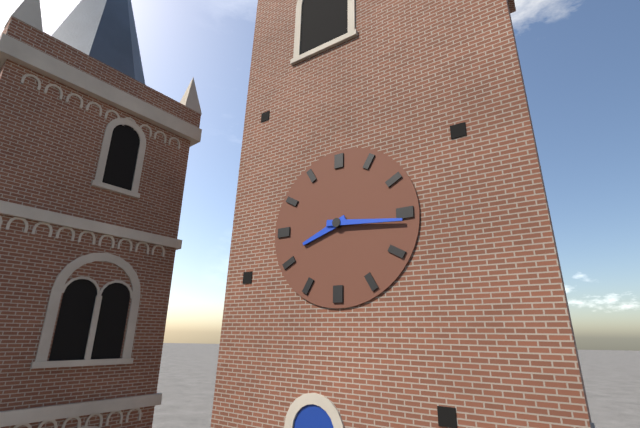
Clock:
8:16
